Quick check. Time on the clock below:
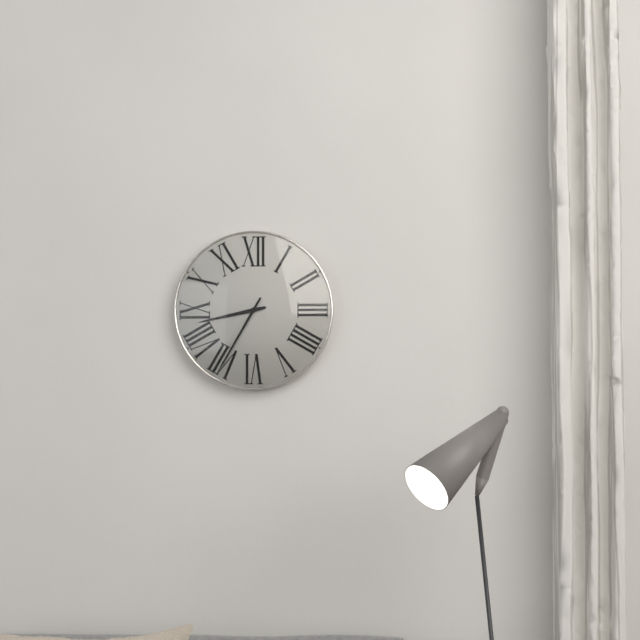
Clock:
8:35
